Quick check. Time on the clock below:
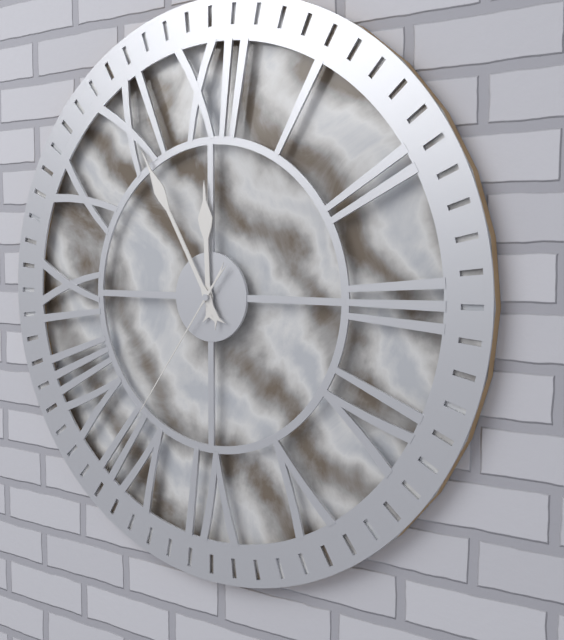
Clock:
11:55:36
